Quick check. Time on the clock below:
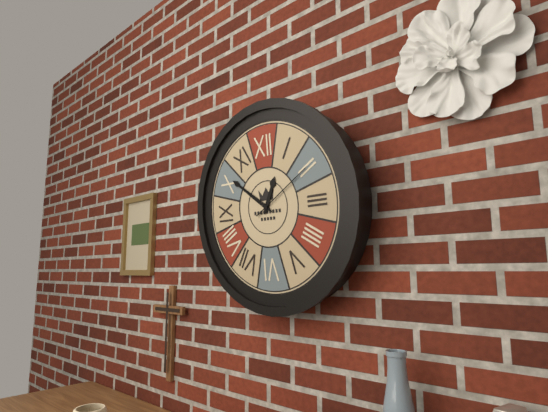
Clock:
12:51:10
